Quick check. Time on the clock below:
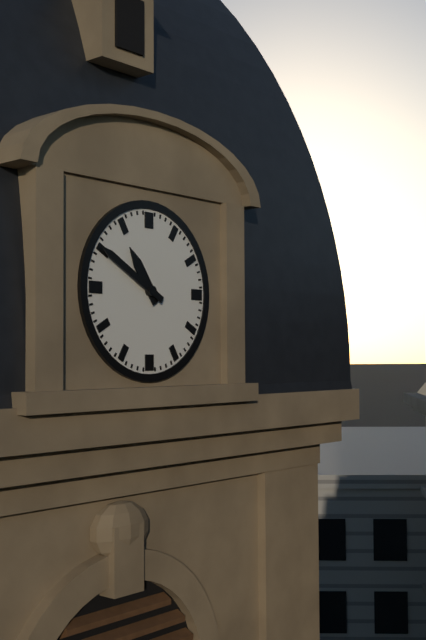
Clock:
10:50
